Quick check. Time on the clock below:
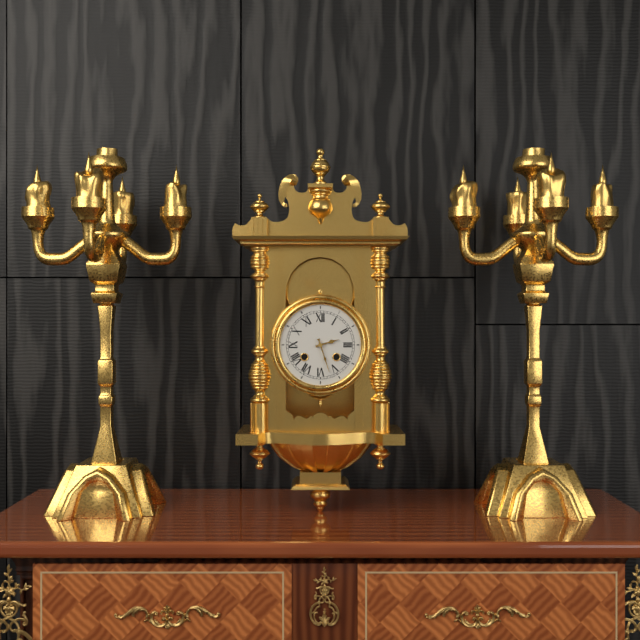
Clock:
2:27
